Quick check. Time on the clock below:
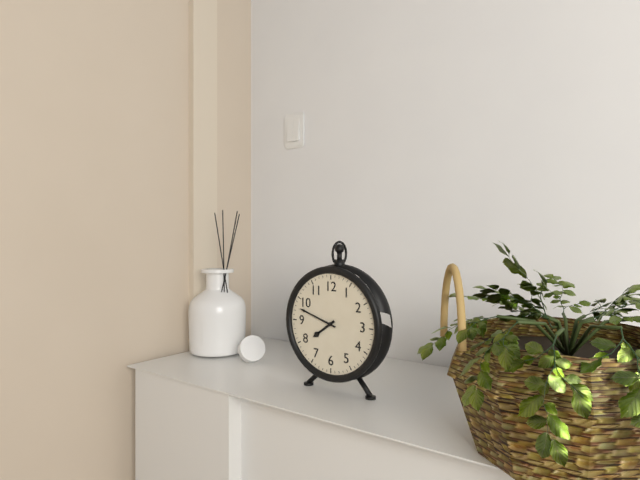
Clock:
7:48
